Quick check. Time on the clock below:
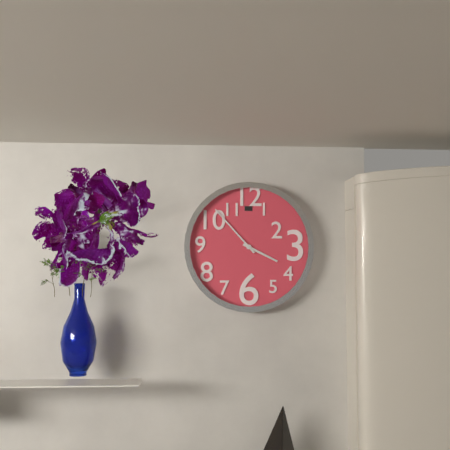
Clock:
3:53
